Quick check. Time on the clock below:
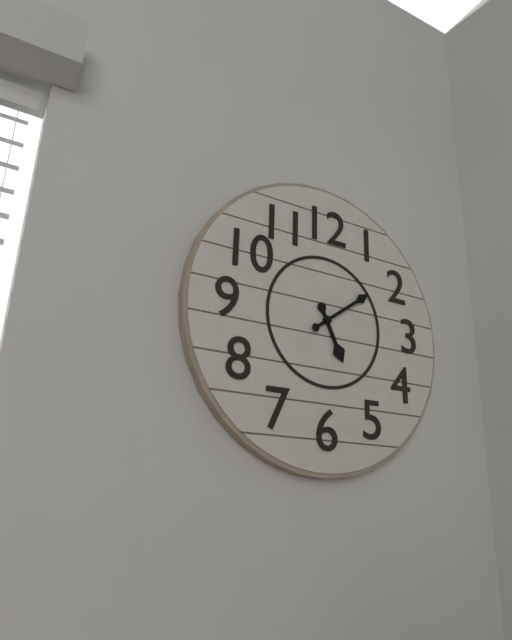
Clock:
5:09
